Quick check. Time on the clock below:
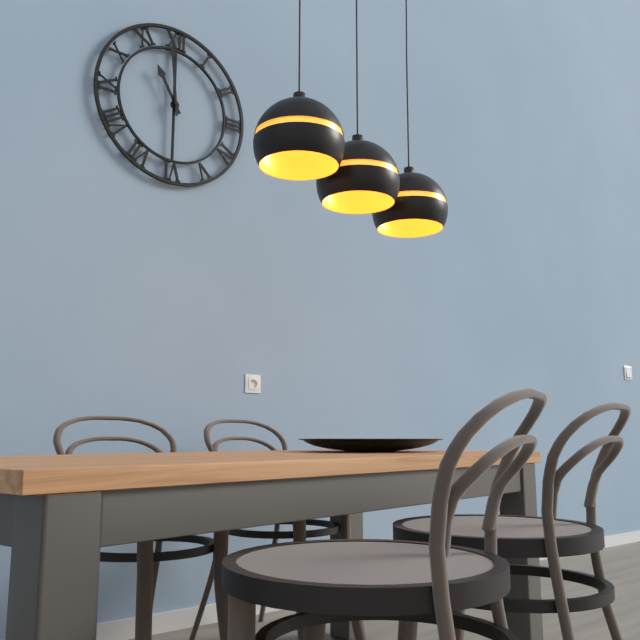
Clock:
10:59
